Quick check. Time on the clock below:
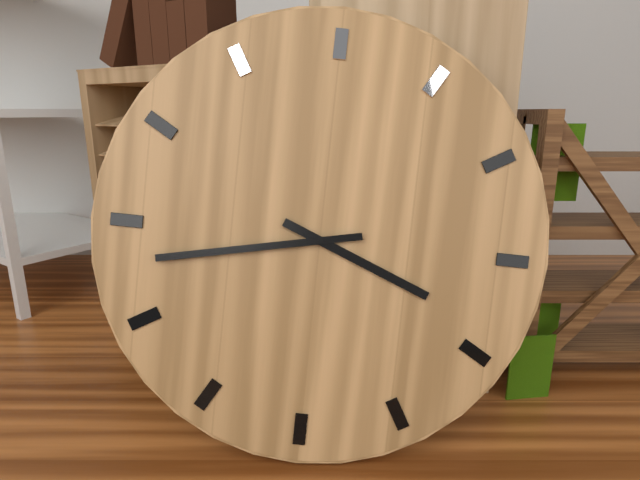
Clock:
3:43
